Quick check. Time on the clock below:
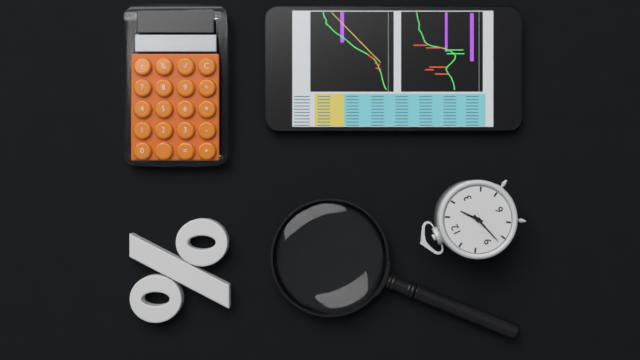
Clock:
1:42
